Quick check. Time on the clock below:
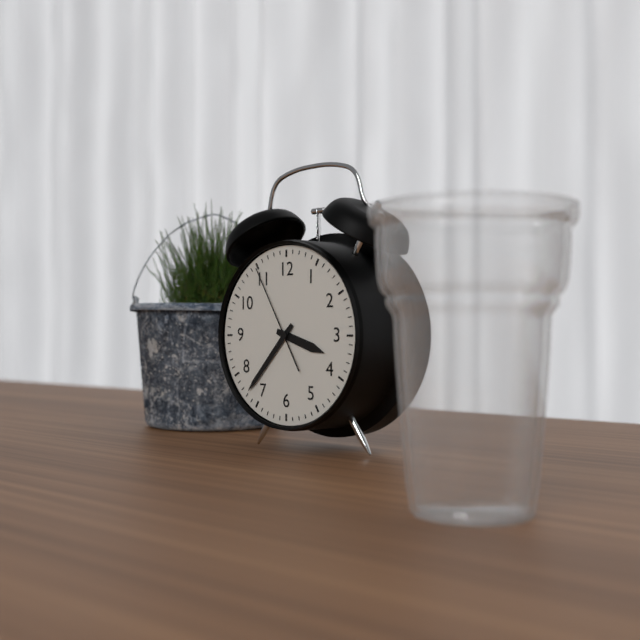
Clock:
3:37:55
